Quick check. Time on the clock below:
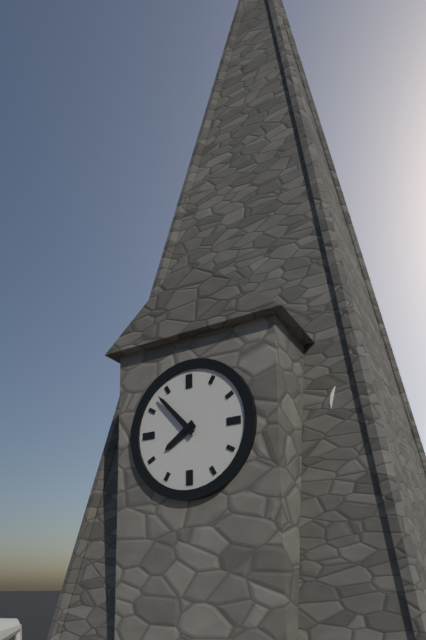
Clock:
7:53
